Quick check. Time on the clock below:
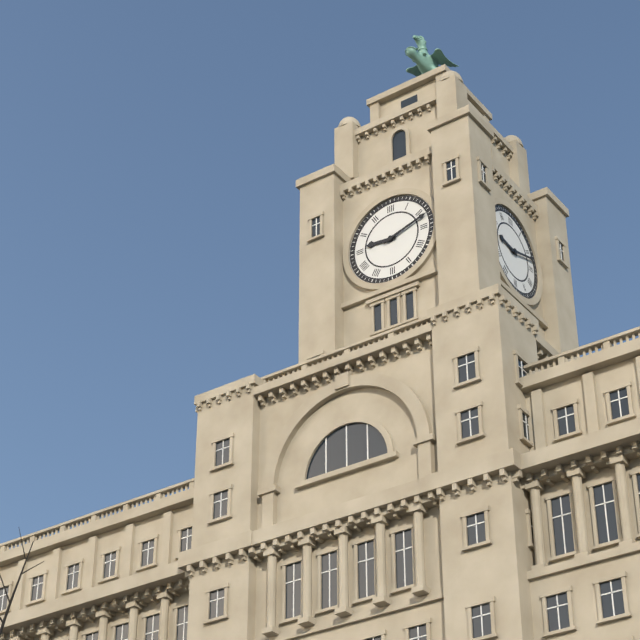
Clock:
9:12
